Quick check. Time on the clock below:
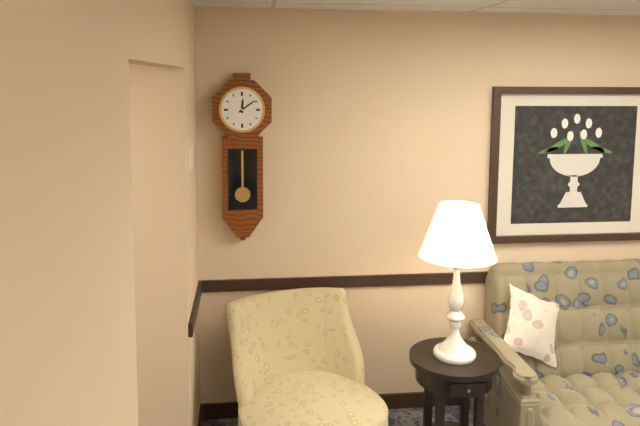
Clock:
12:09
